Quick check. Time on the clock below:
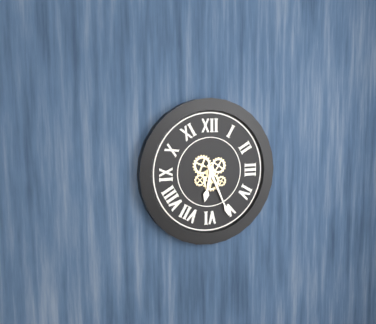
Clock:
6:26
